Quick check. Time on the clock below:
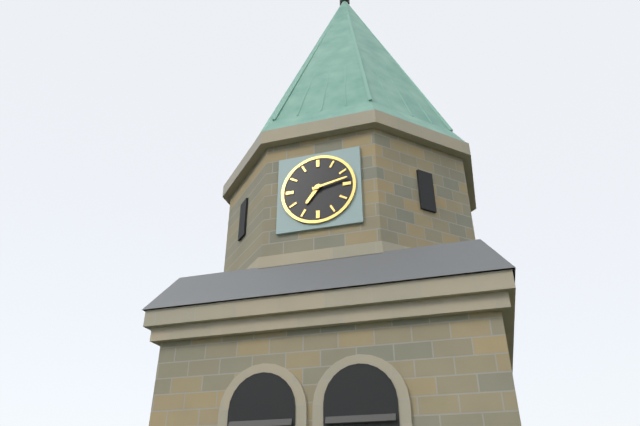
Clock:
7:13
